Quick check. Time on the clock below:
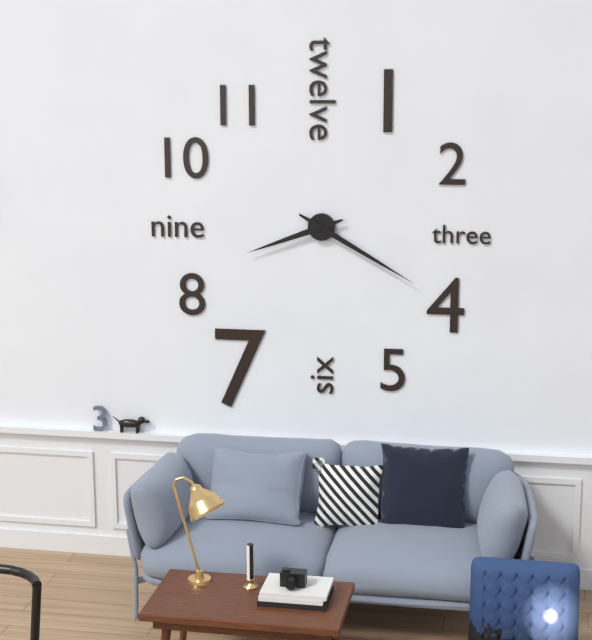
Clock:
8:20
